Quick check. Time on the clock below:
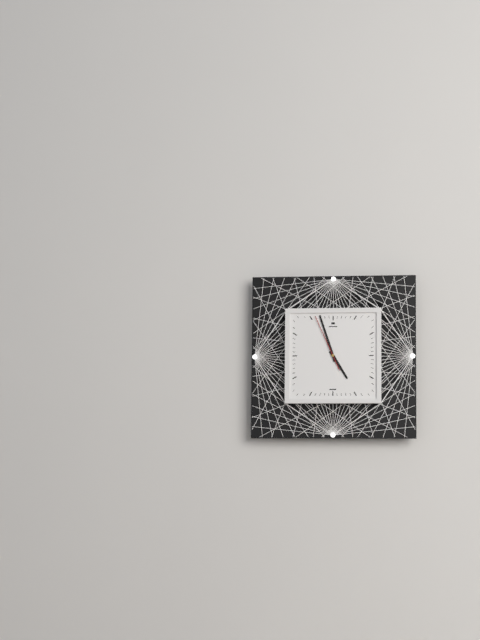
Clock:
4:57:56
